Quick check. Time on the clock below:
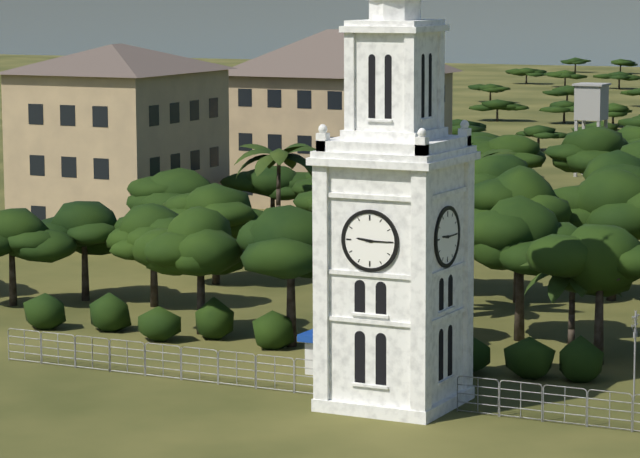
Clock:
9:15
